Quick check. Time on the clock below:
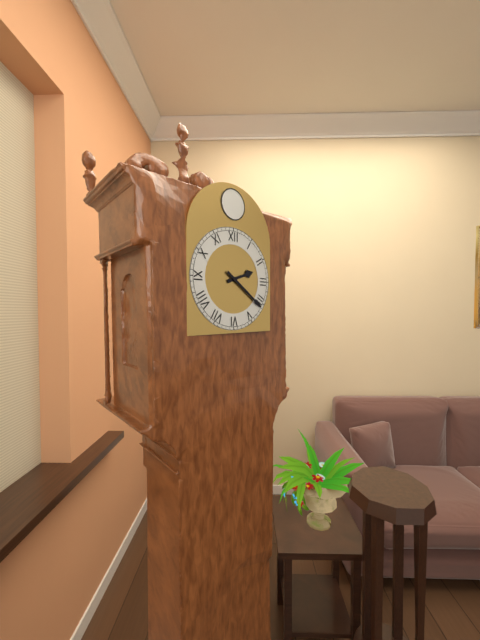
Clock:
2:21
